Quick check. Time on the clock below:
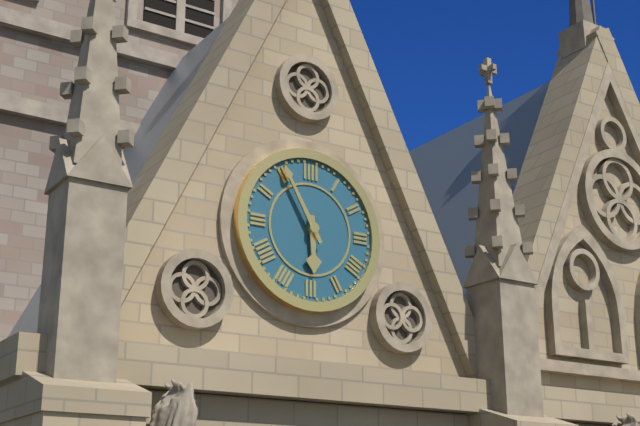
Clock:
5:55
